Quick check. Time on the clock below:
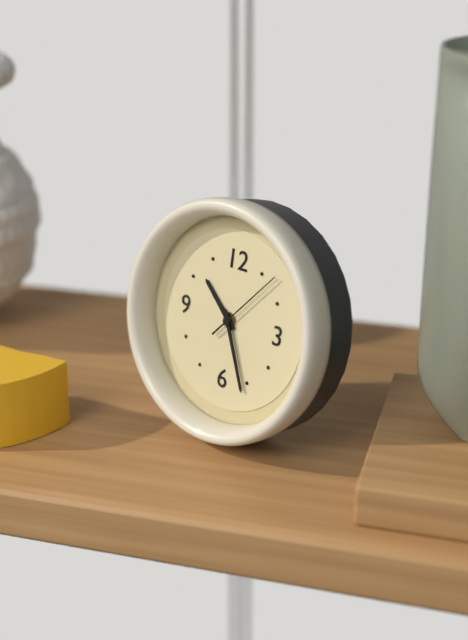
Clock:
10:26:07
